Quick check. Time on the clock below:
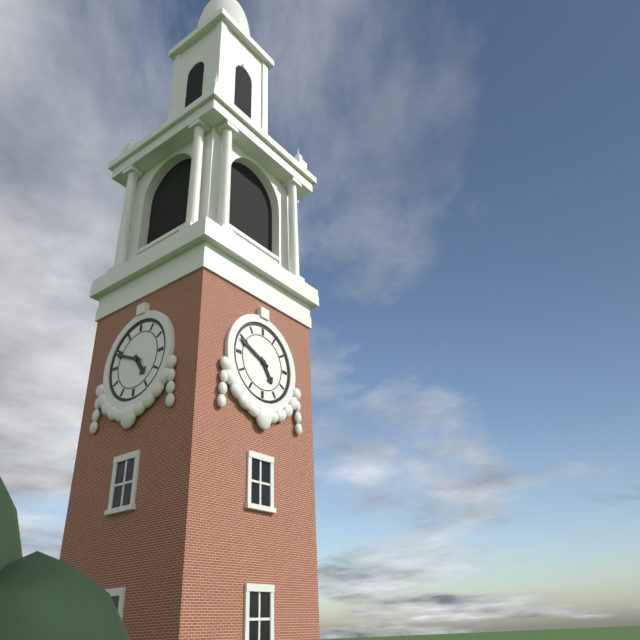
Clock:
4:49
